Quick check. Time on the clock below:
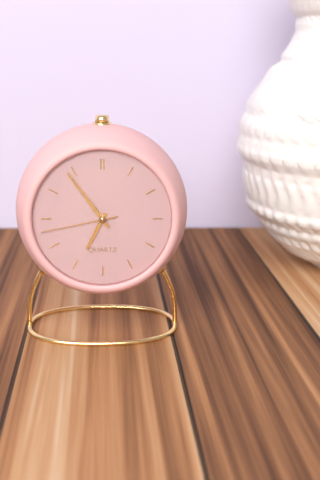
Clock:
6:54:43
